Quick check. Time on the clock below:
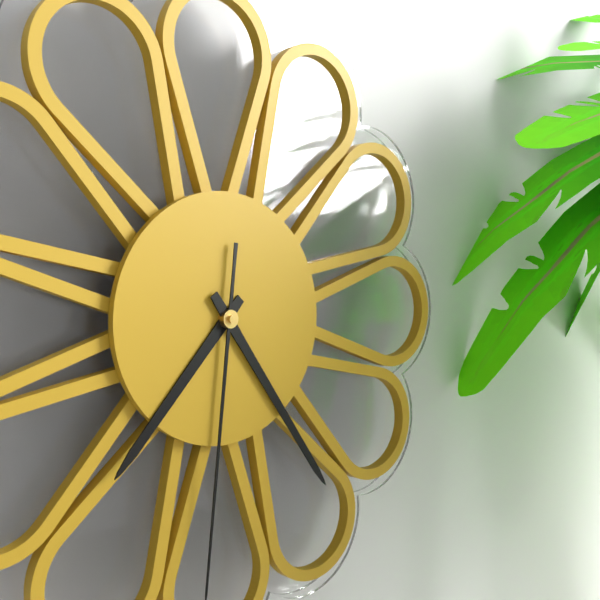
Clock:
7:24
